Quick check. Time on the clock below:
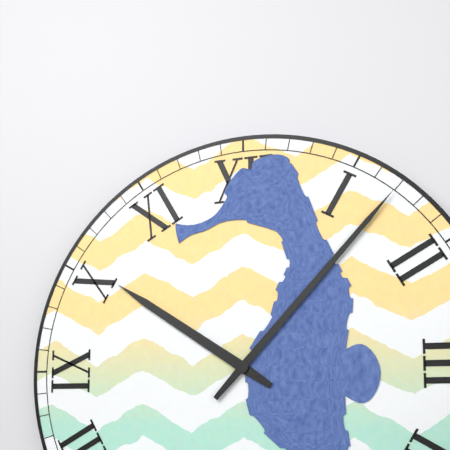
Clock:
10:07
